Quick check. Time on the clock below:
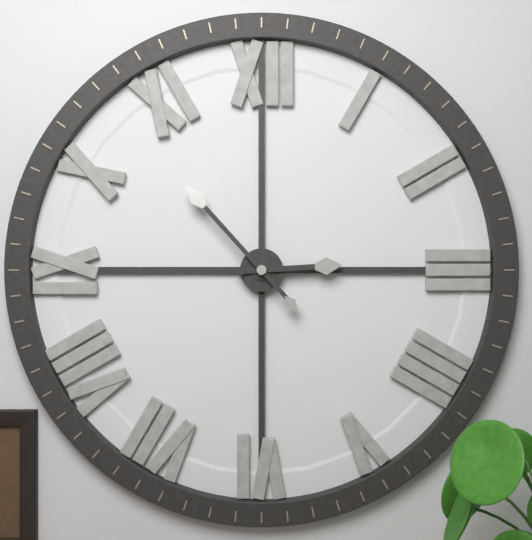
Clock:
2:53
